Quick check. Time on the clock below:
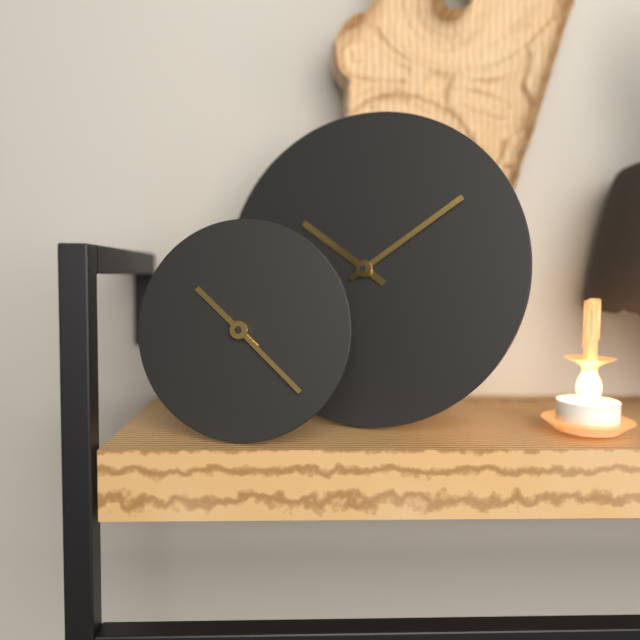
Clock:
10:22
